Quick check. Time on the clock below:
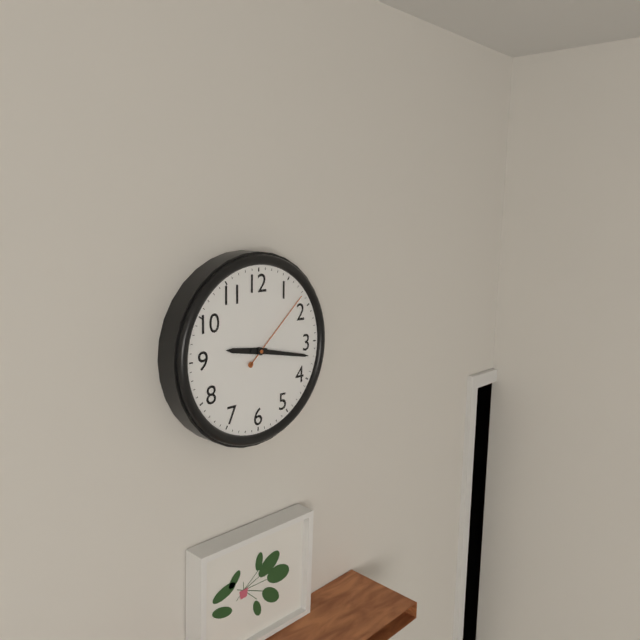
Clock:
9:17:08
